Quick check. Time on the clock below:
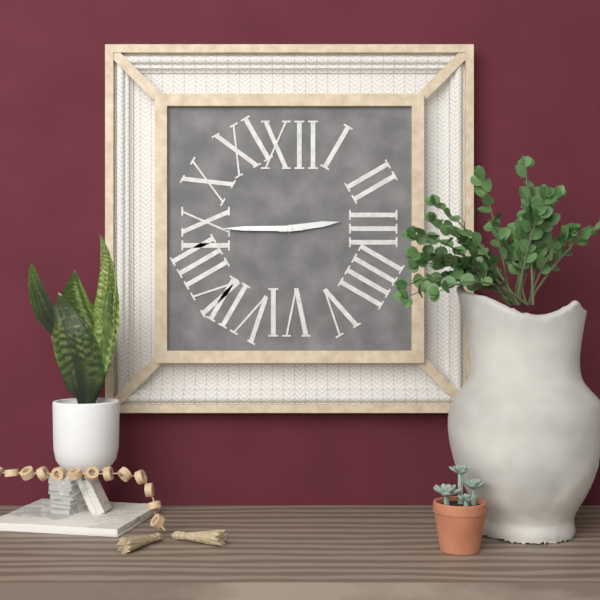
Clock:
2:45
